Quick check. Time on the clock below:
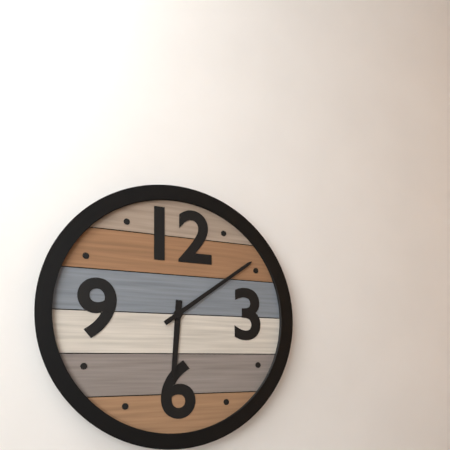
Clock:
6:09
